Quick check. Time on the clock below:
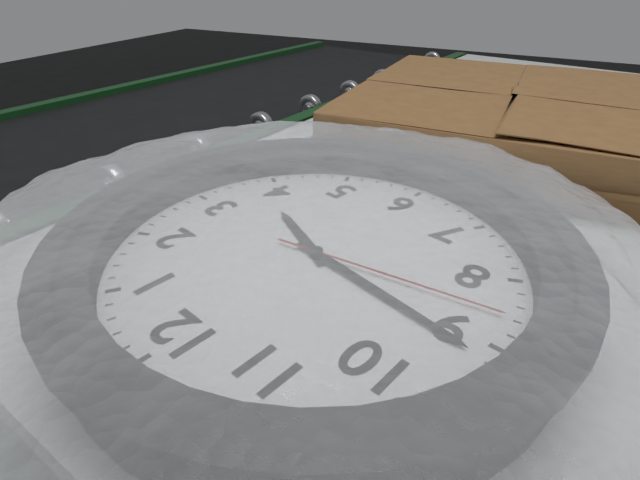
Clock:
3:46:43
